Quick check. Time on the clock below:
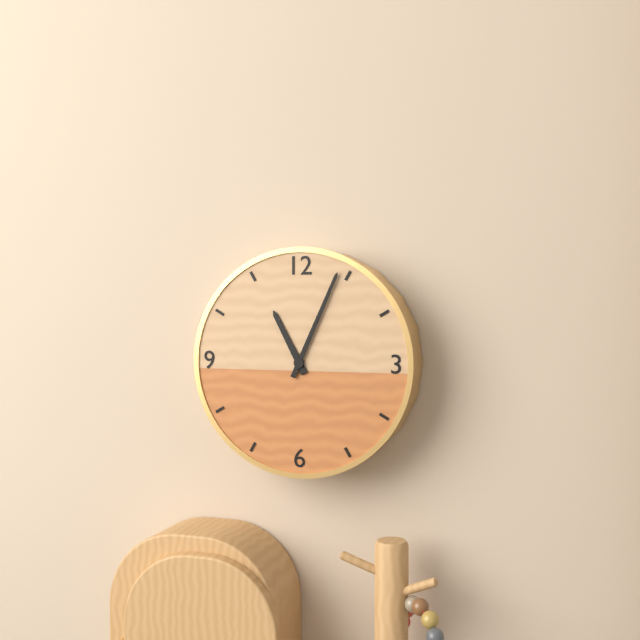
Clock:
11:04
